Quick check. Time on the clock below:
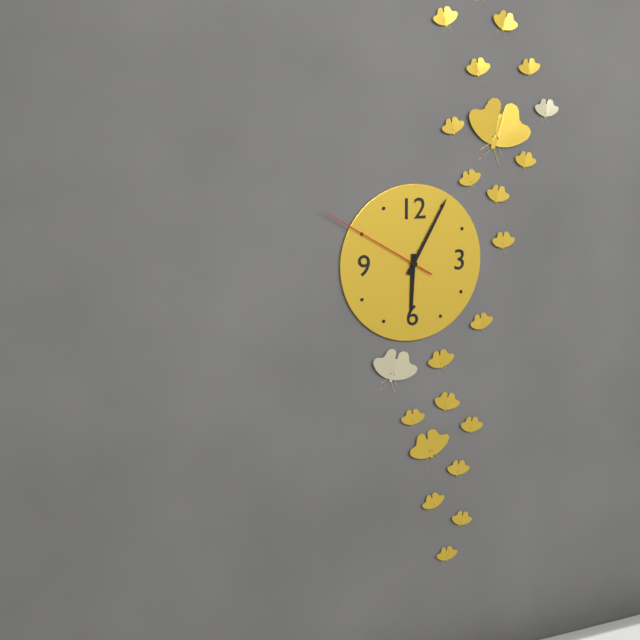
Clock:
6:05:50
